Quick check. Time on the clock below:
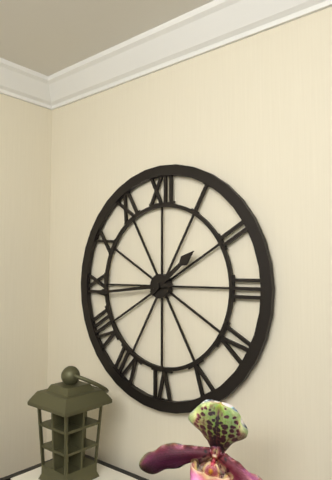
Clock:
1:44
